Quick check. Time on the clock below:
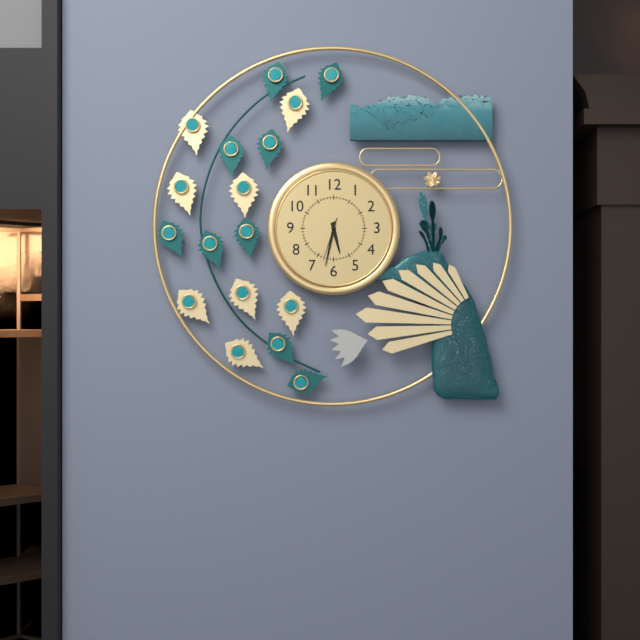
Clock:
5:32
